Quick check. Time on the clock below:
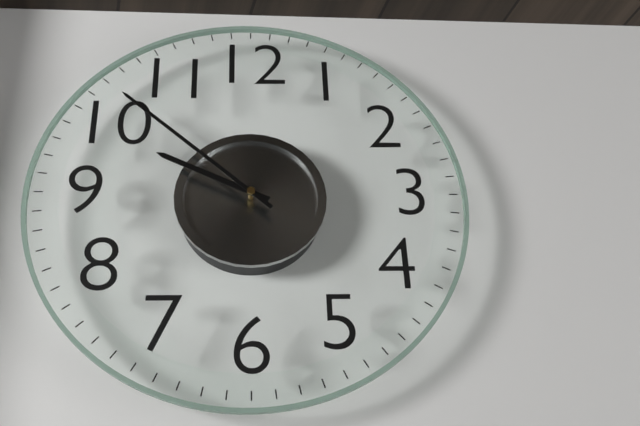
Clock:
9:52
